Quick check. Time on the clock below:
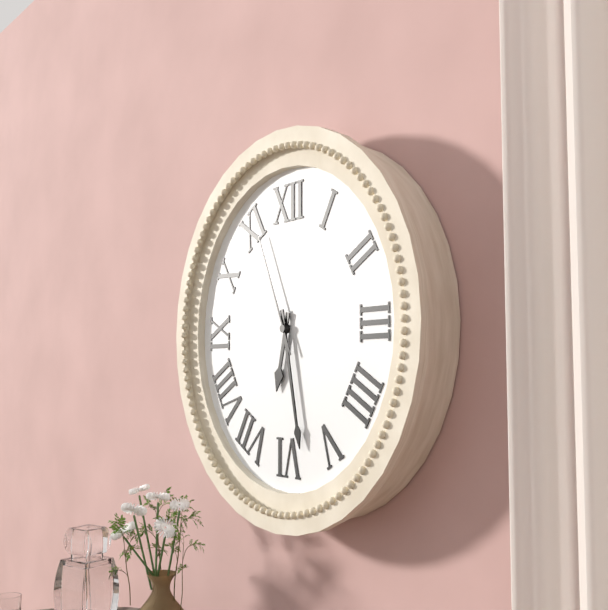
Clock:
6:28:56
